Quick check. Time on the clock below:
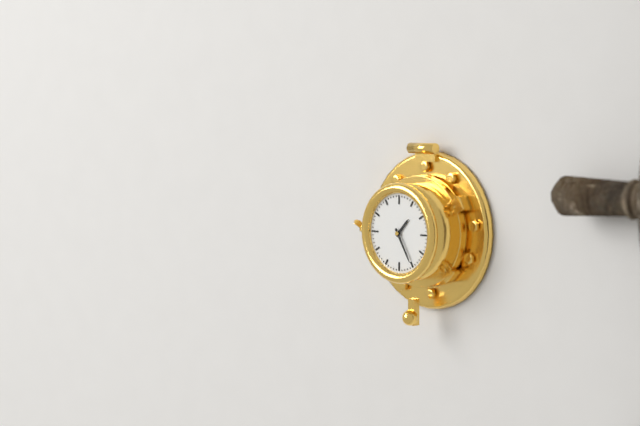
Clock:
1:25
